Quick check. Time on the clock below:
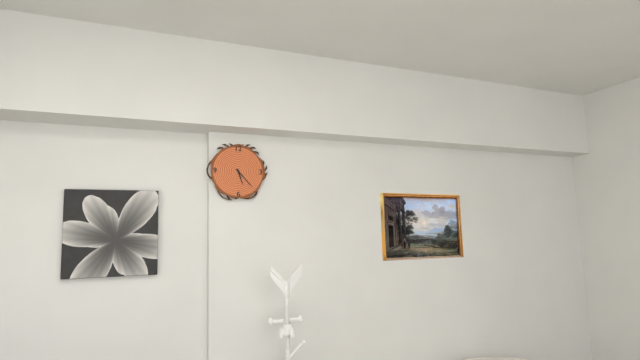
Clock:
5:23
